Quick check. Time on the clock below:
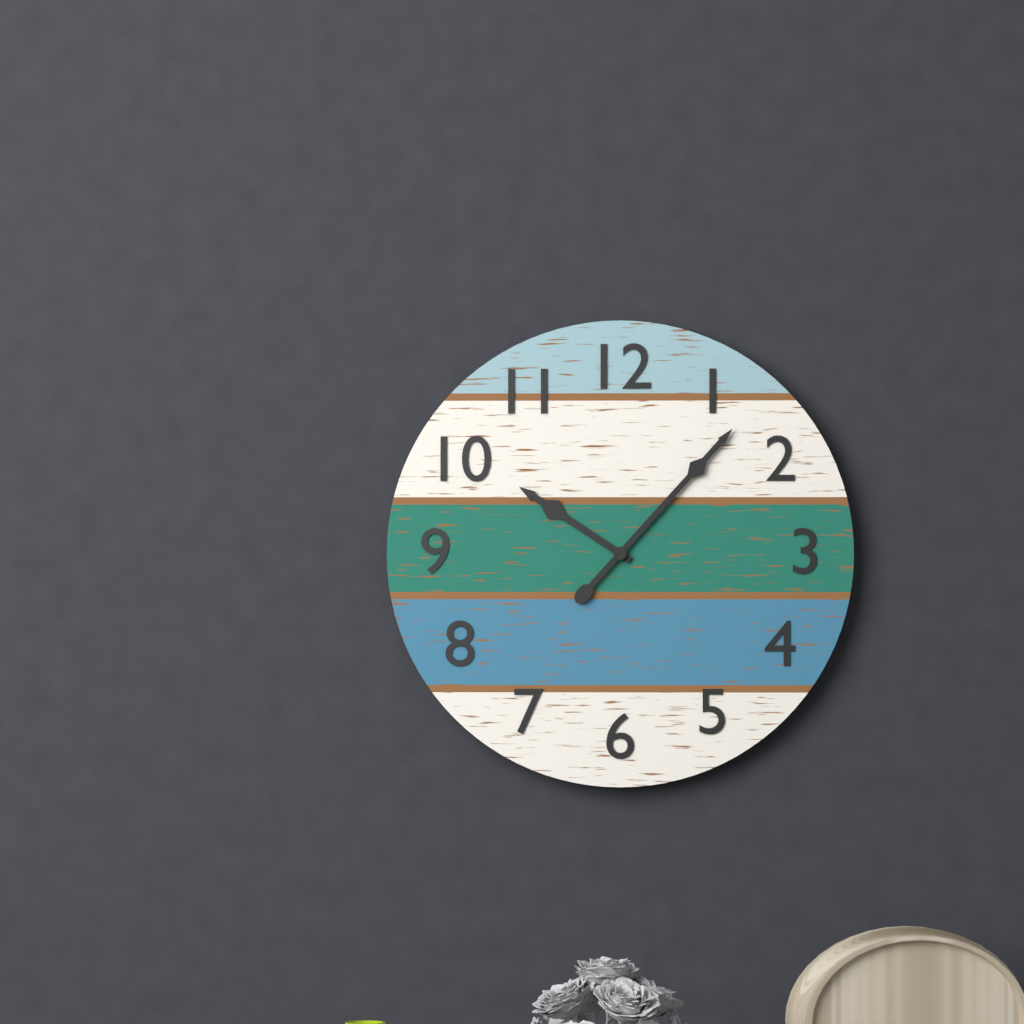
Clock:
10:07
